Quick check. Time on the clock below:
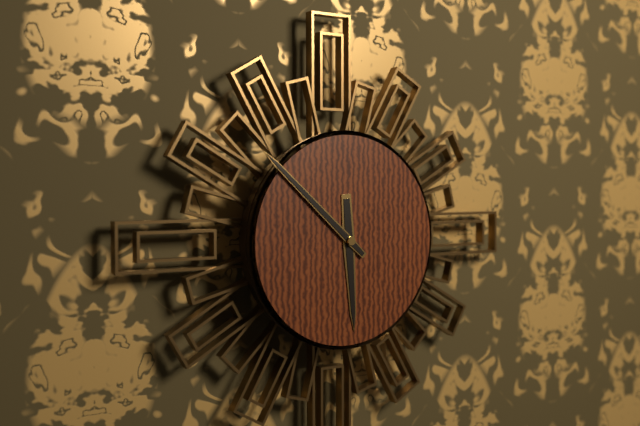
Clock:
5:52
